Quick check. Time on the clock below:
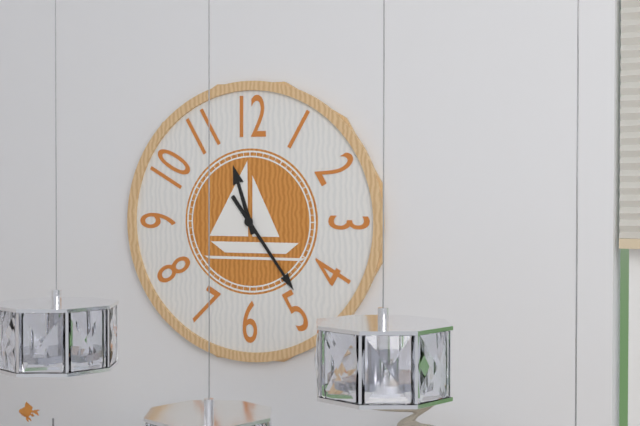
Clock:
11:24
